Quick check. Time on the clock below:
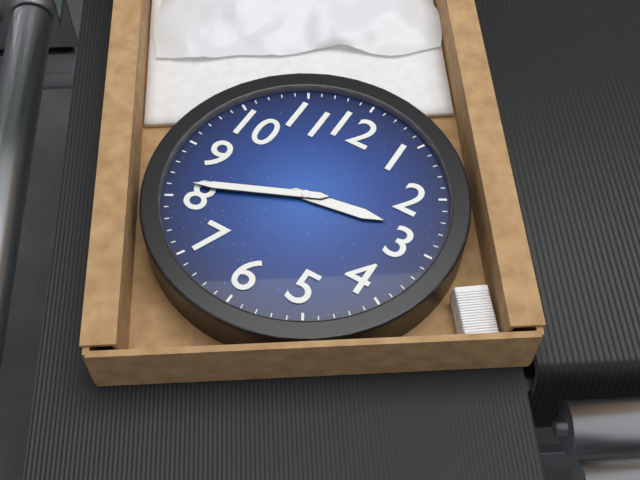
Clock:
2:41
